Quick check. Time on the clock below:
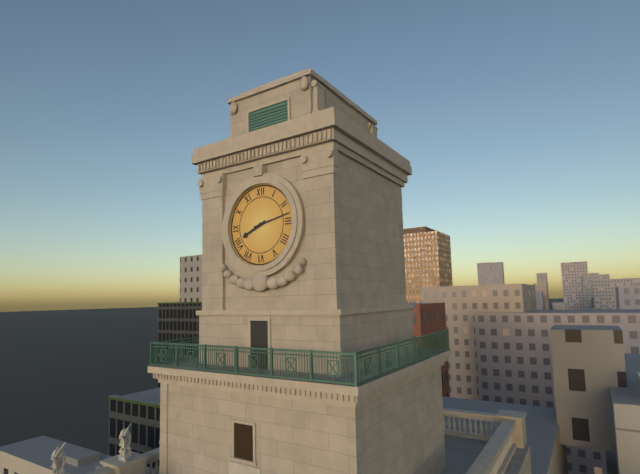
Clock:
8:13
